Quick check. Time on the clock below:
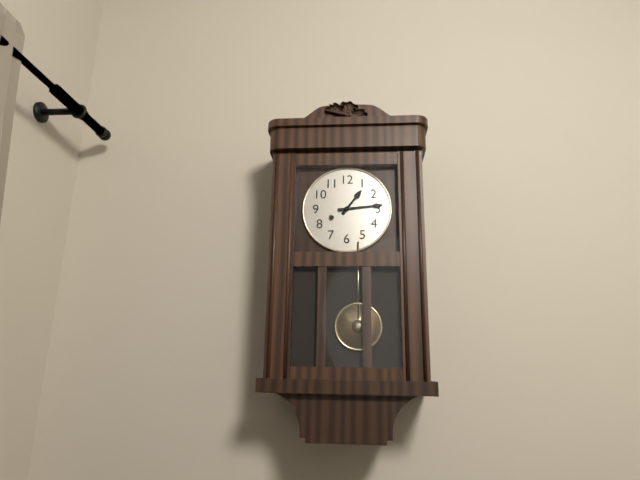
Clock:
1:14
